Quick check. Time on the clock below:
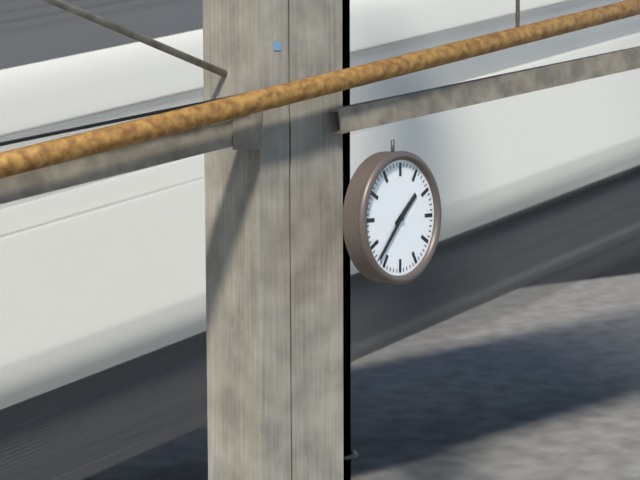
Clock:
1:37
